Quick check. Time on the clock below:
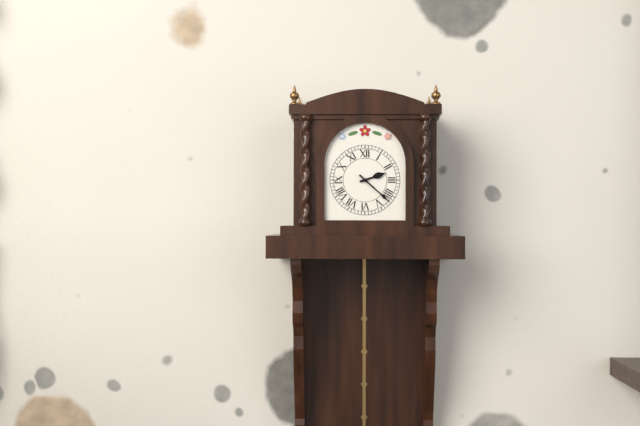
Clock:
2:22
